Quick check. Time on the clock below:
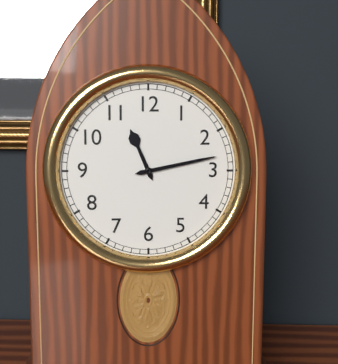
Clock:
11:13
